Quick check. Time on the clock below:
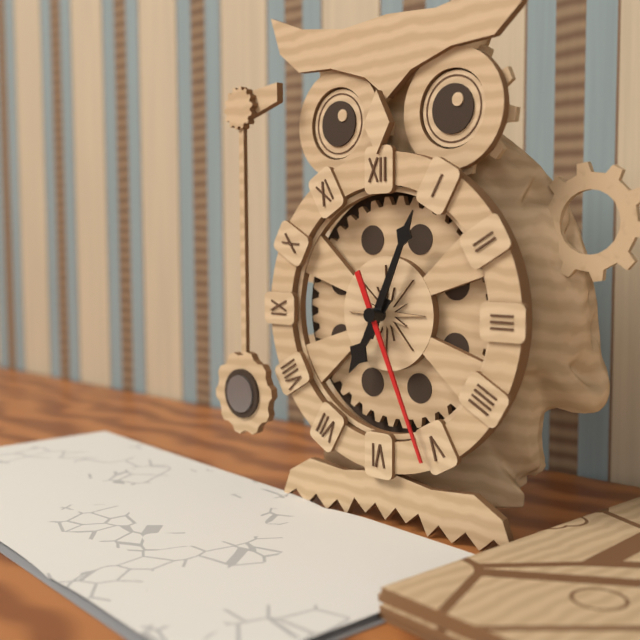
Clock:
7:04:26
